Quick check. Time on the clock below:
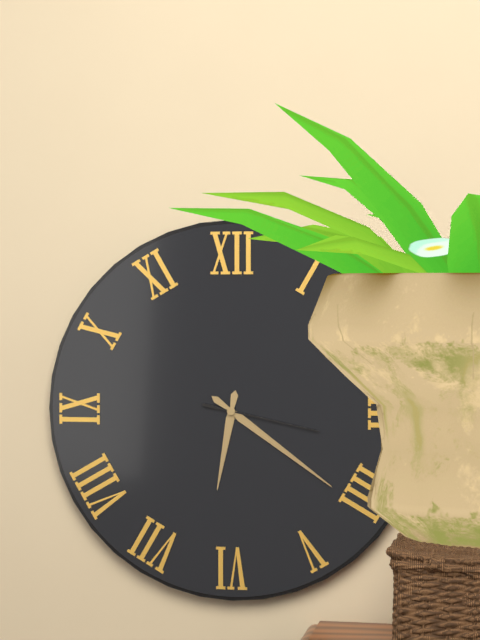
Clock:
6:21:17
